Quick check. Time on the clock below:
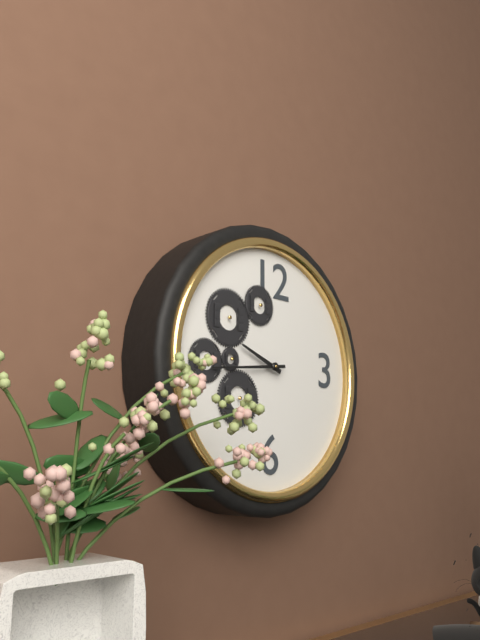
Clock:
9:44
